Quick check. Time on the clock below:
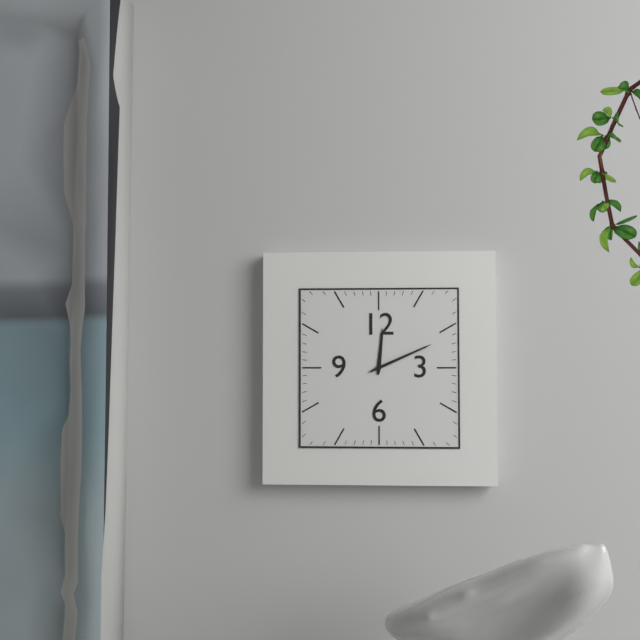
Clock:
12:11
